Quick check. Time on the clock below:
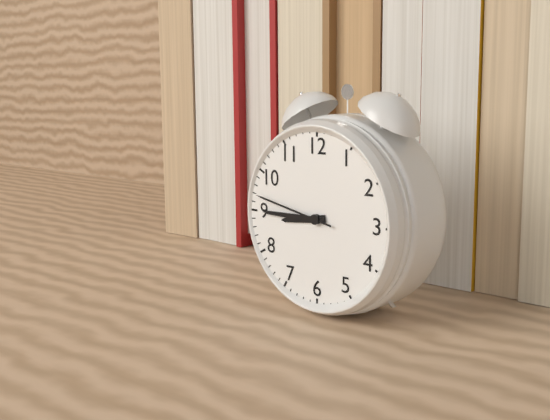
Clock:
8:45:47
